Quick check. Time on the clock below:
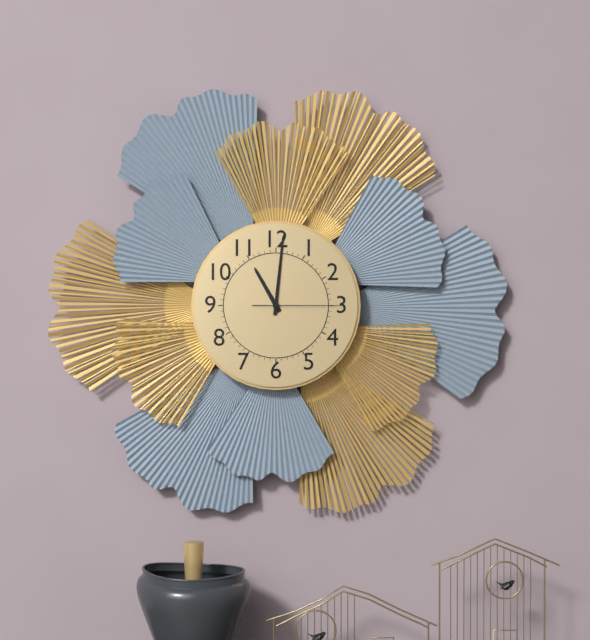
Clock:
11:01:15
